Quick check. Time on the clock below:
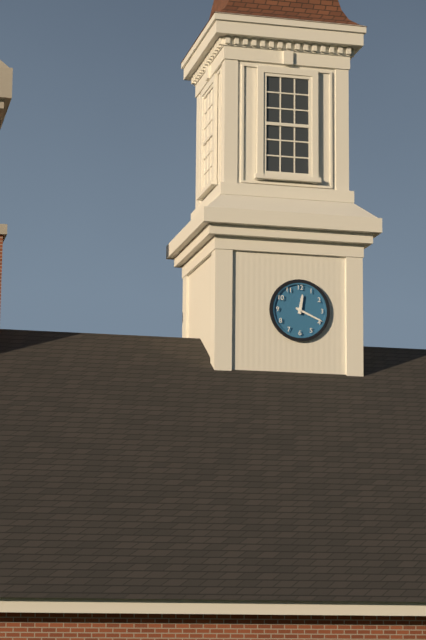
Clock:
12:19
